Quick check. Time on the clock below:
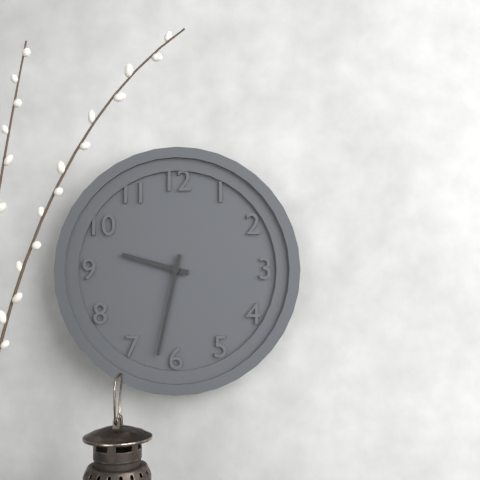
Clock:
9:32
